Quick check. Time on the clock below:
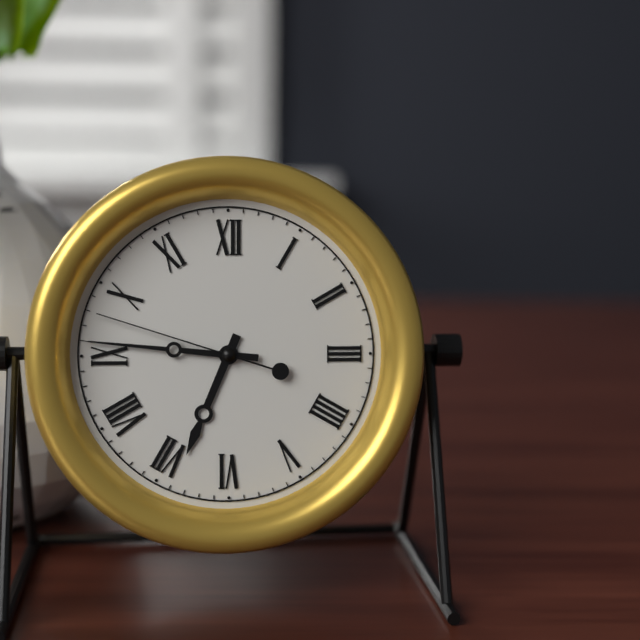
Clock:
6:46:48
